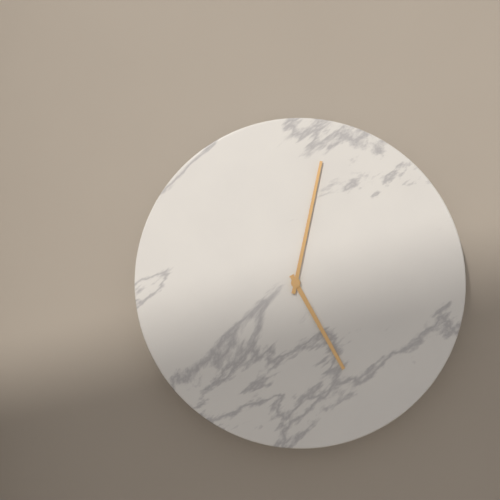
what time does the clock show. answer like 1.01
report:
5.02
